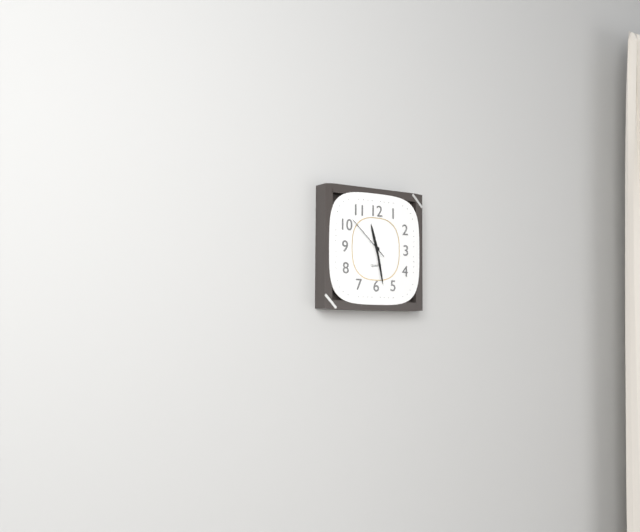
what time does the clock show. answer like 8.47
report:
11.28
